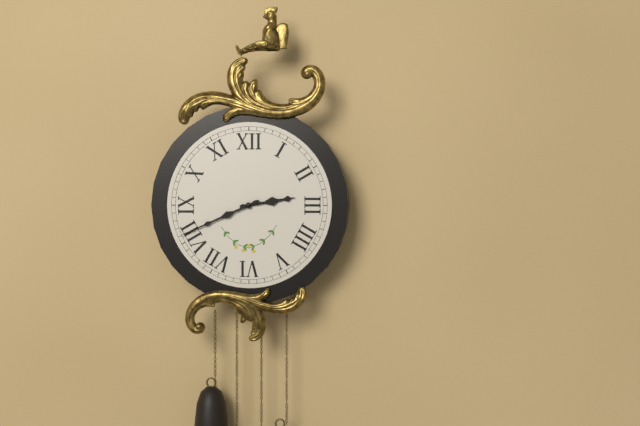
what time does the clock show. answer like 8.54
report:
2.41
